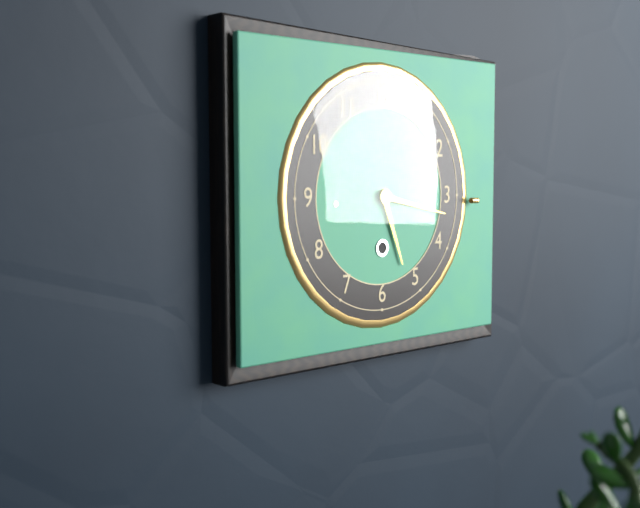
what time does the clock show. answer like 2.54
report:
5.17
